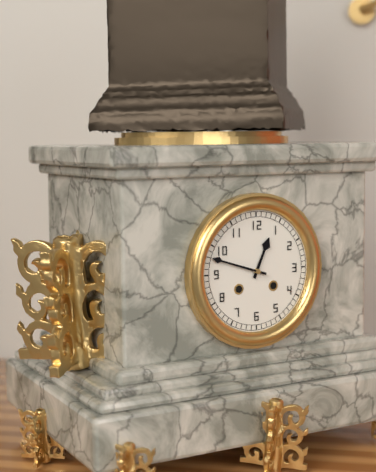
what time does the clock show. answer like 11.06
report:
12.48
